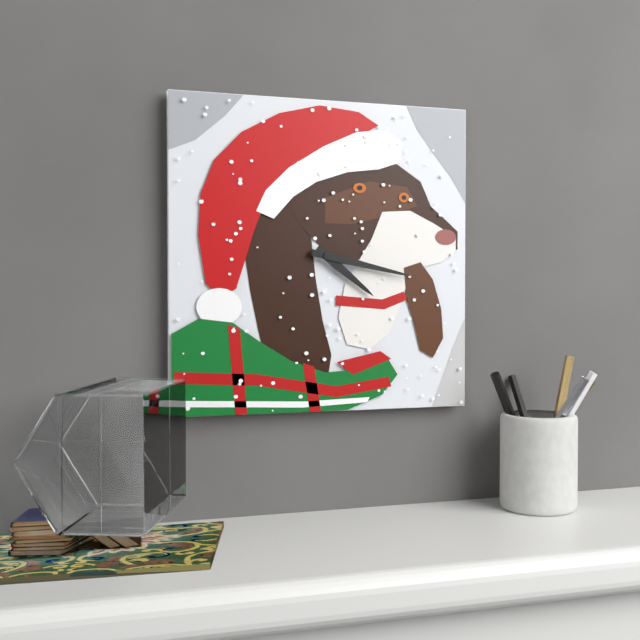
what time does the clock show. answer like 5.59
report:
4.17
